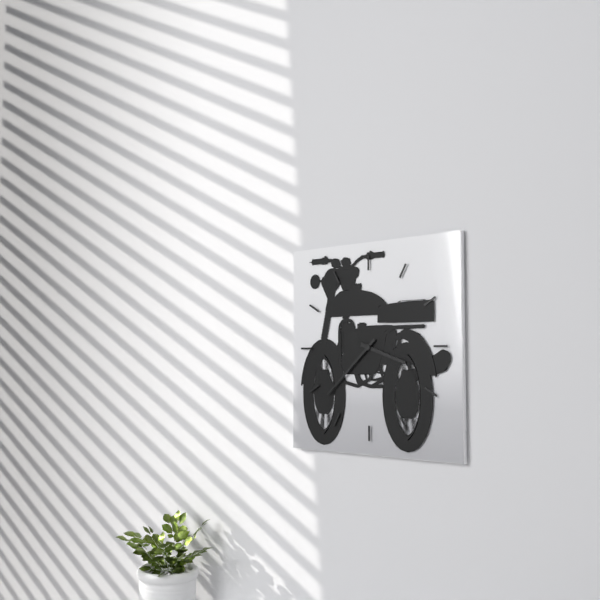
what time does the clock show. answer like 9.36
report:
3.38
